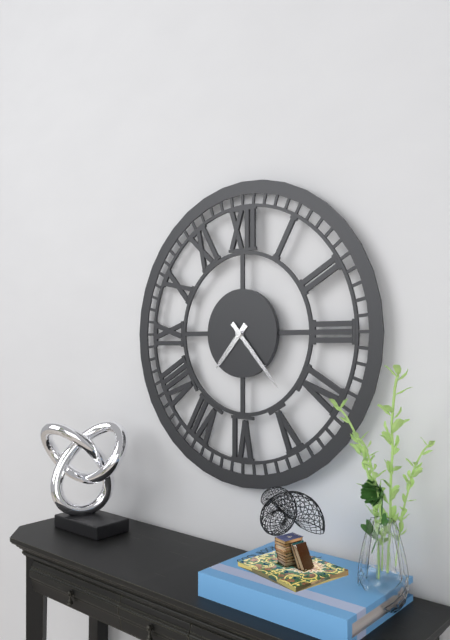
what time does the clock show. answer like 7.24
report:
7.23
